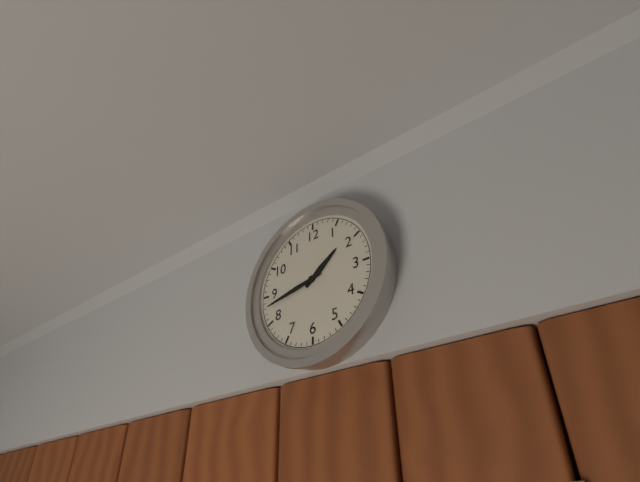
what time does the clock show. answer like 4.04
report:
1.43
